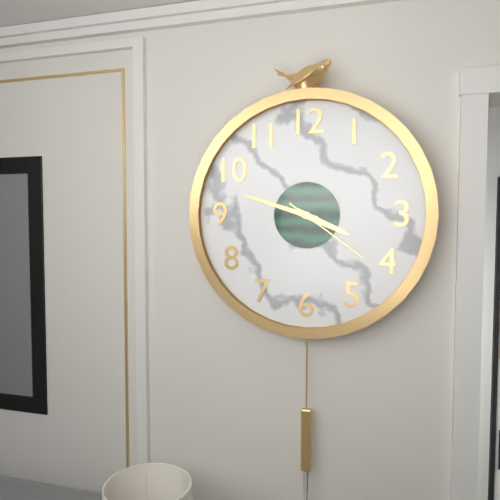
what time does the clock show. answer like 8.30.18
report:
3.48.21
